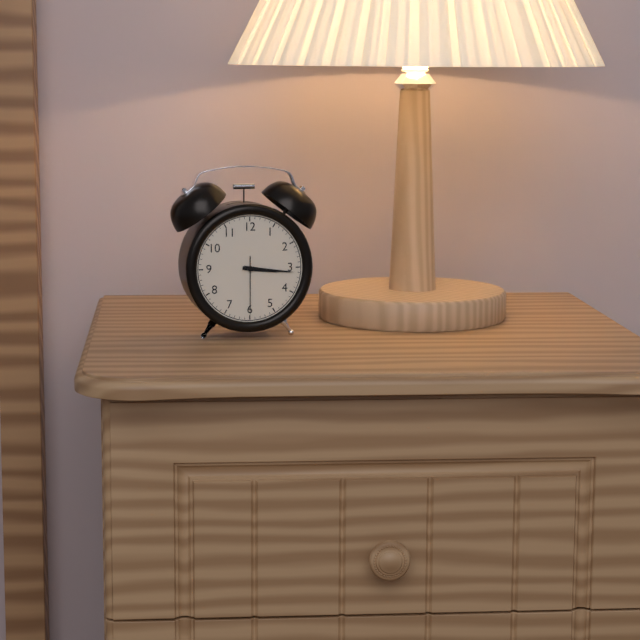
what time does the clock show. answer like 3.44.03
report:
3.16.30
